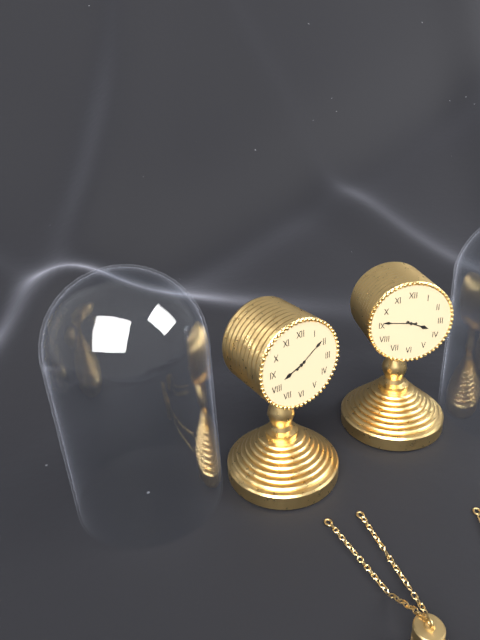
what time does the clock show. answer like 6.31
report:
8.09
